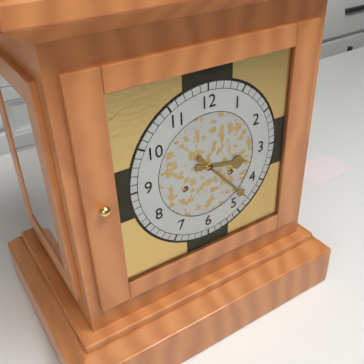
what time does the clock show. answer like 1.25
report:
3.23
